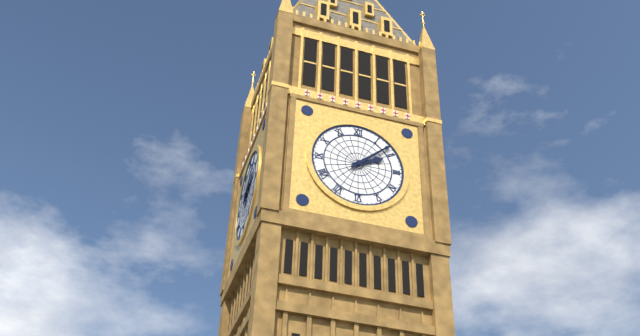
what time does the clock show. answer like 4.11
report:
2.08
